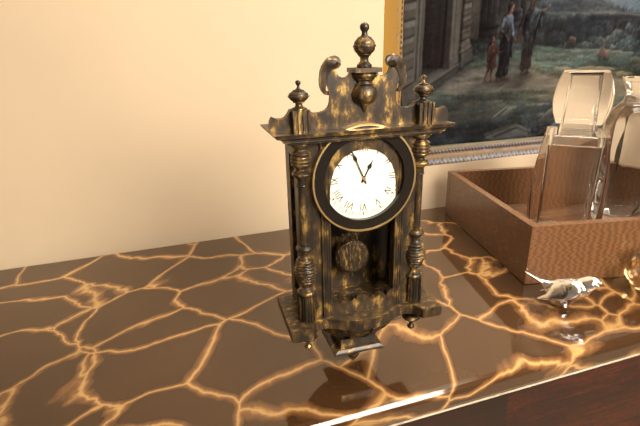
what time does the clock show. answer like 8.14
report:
12.56
